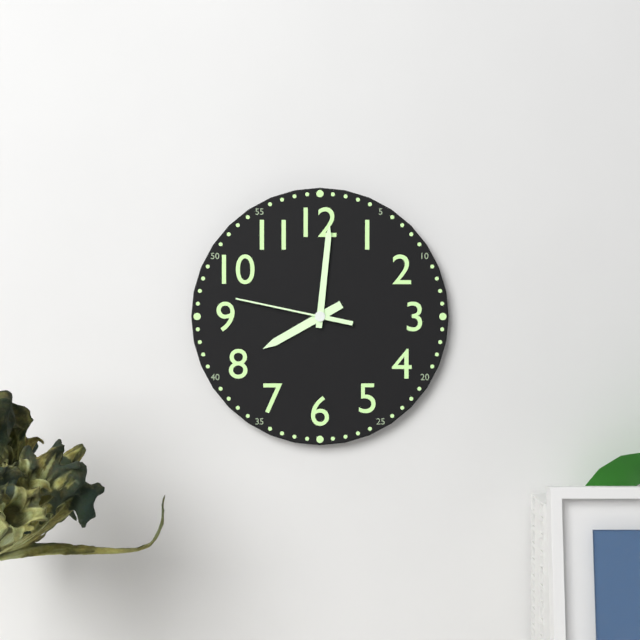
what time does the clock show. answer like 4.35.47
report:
8.01.47
